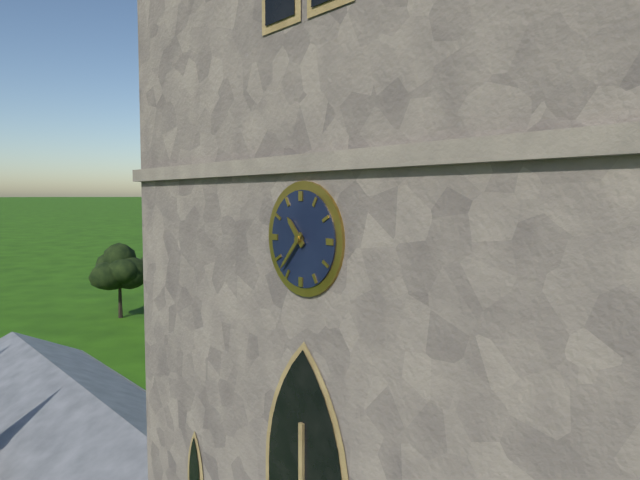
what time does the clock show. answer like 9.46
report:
10.37
